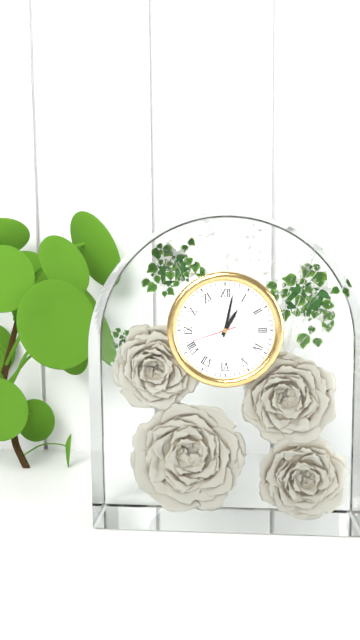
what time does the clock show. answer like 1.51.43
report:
1.02.42
